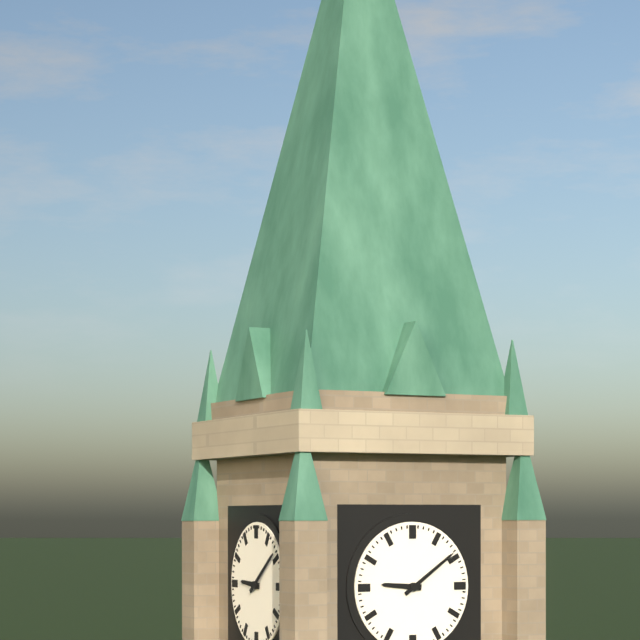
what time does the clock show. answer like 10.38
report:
9.09
